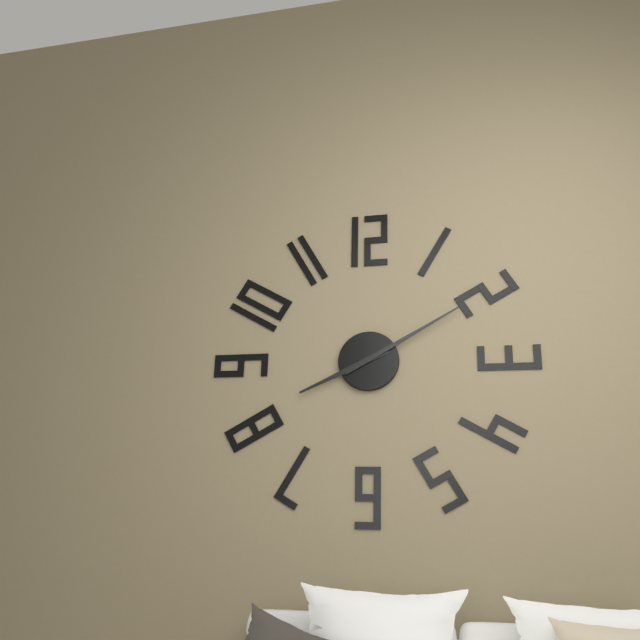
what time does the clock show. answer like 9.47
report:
8.10
